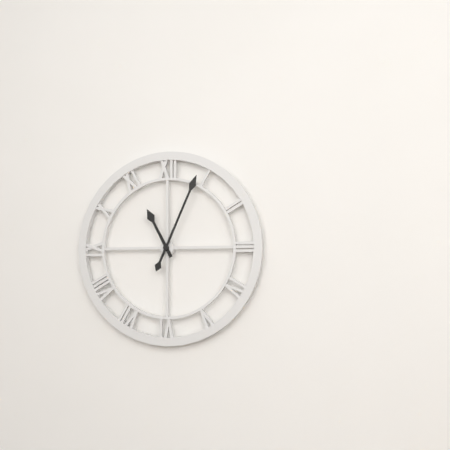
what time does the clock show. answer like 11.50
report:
11.04
